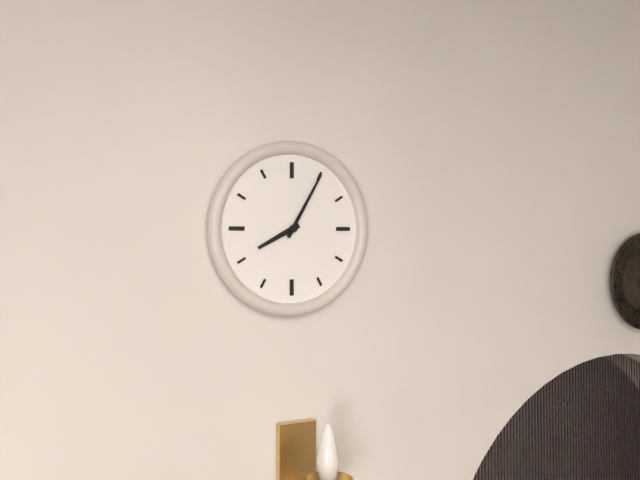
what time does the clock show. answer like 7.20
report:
8.05
